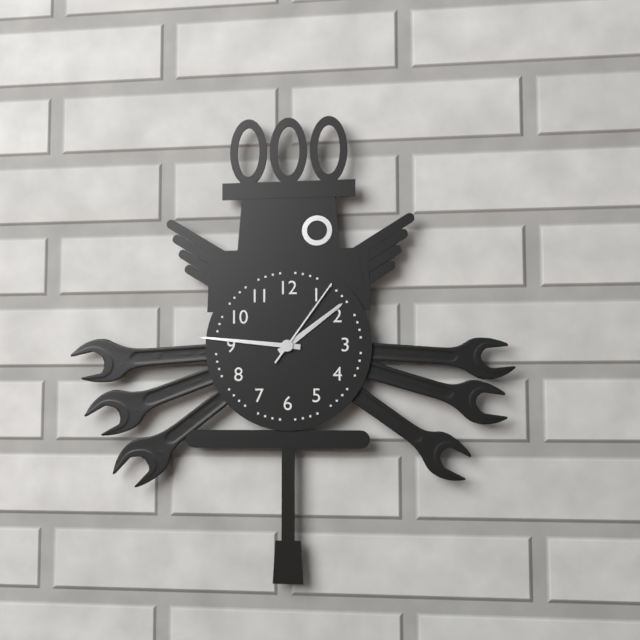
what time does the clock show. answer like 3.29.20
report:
1.46.06
